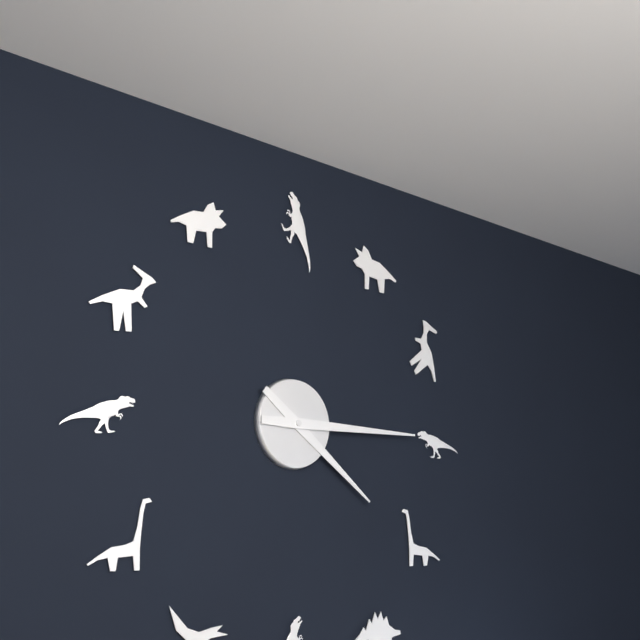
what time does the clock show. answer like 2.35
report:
4.15
